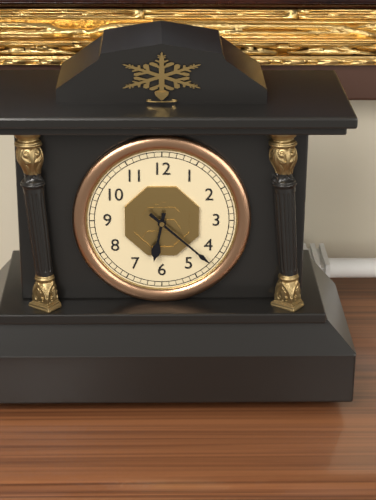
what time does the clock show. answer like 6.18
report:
6.22
